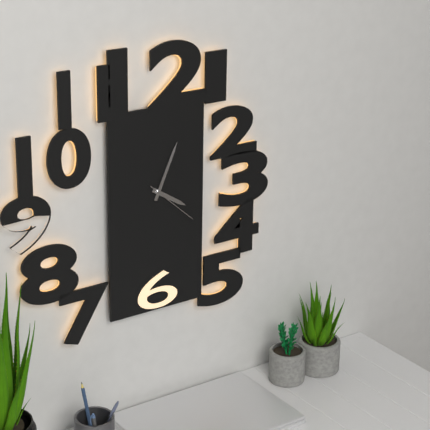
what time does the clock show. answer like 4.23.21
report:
4.04.22
